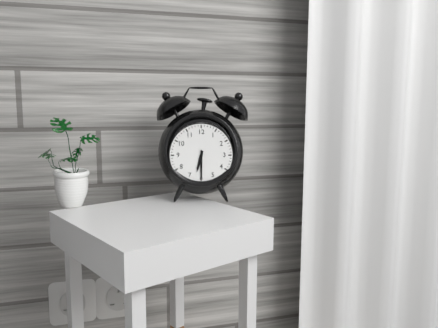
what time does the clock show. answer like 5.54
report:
6.30
